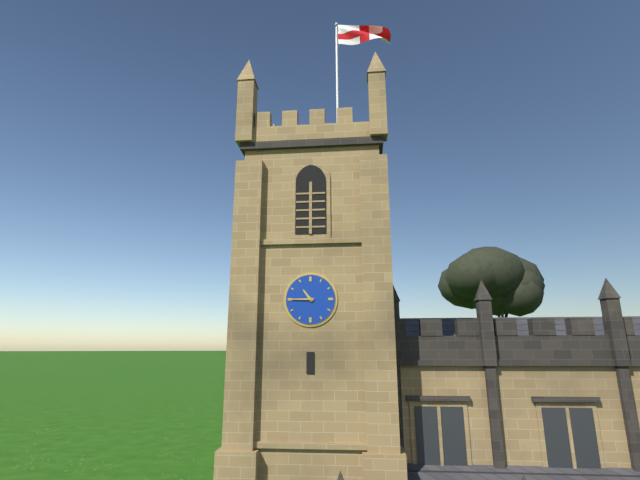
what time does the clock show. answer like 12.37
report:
10.45
